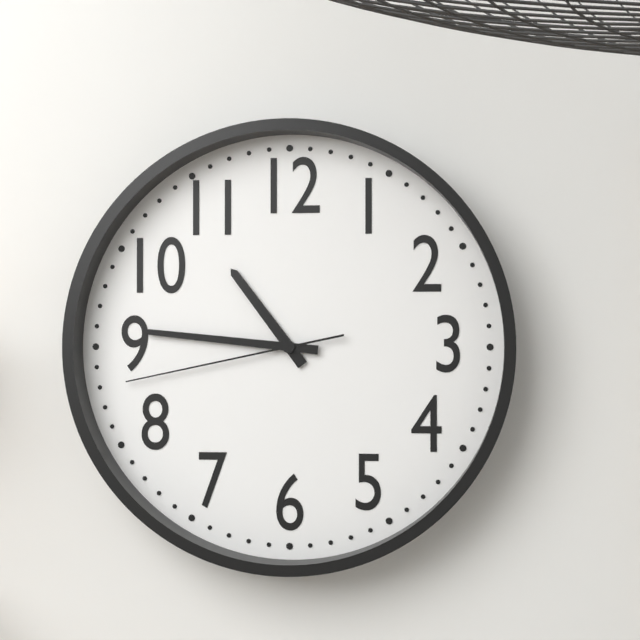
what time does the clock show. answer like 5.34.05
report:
10.46.43
